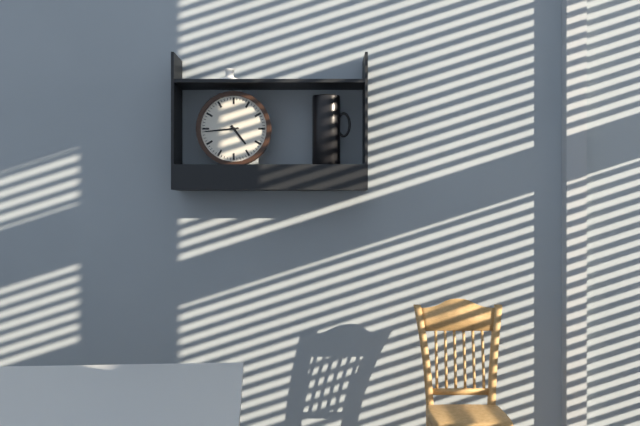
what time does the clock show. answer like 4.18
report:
4.44
